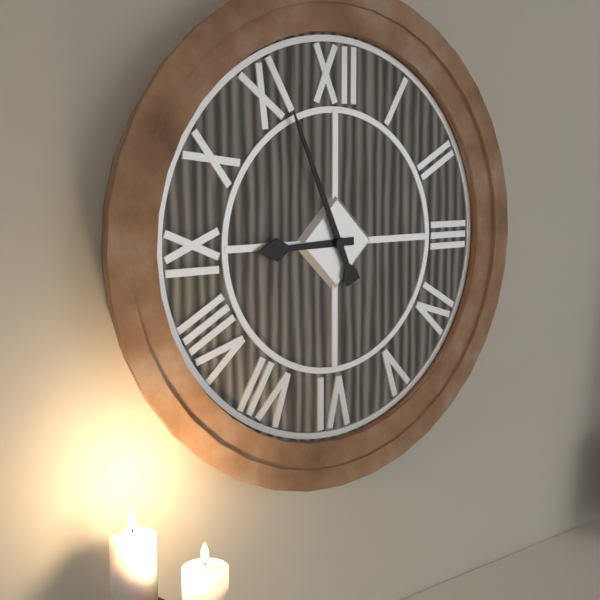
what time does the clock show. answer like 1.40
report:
8.56
